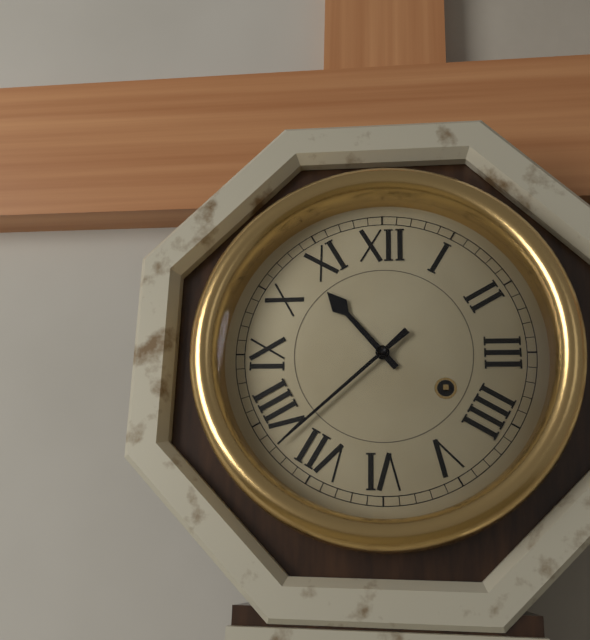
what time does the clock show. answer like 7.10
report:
10.38
